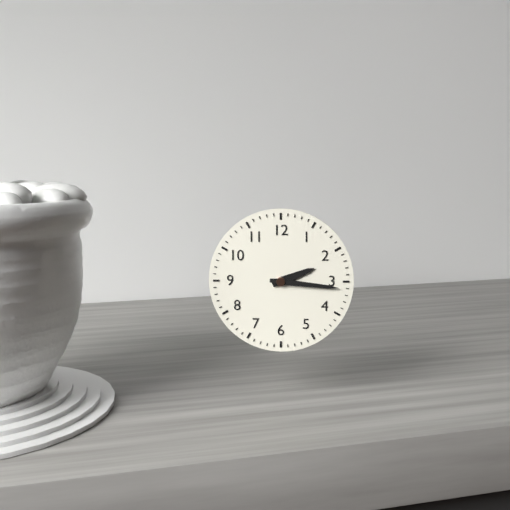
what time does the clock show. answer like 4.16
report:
2.16
